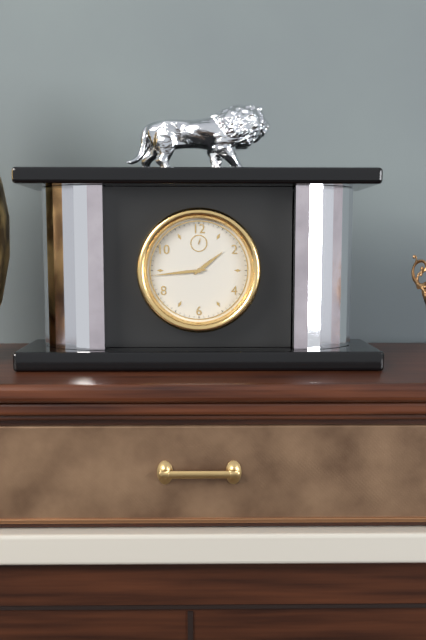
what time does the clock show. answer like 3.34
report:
1.44
